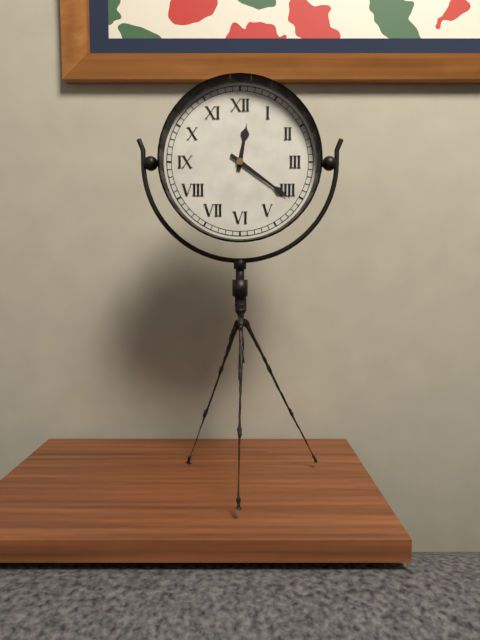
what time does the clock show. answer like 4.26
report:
12.21
